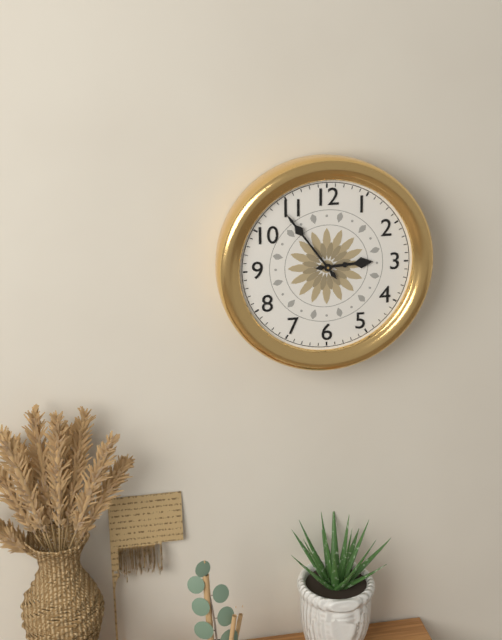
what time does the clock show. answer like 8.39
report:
2.54
